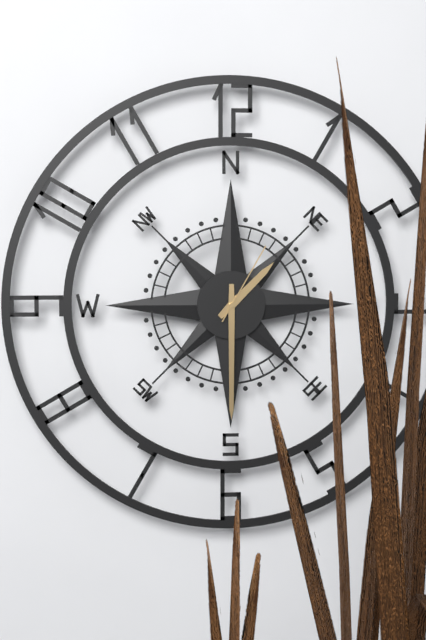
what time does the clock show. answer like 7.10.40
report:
1.30.05
